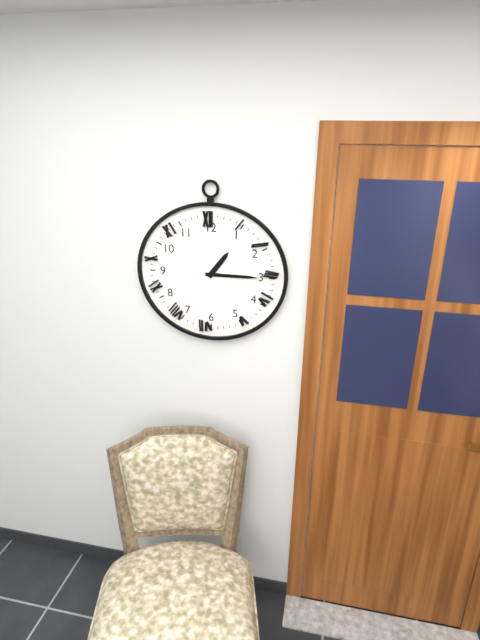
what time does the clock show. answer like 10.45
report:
1.15
